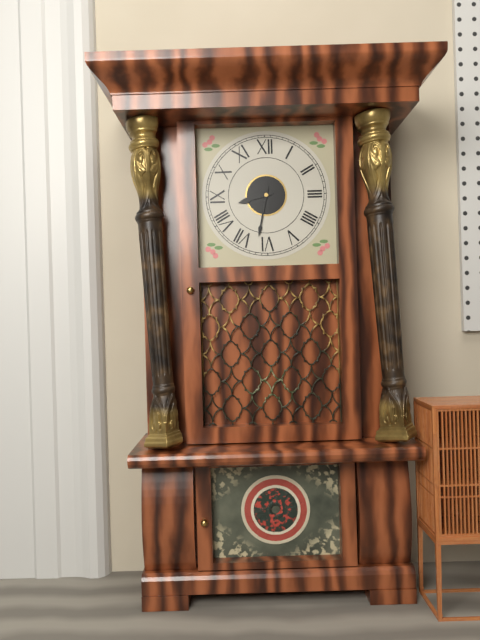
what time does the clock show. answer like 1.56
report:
8.32
